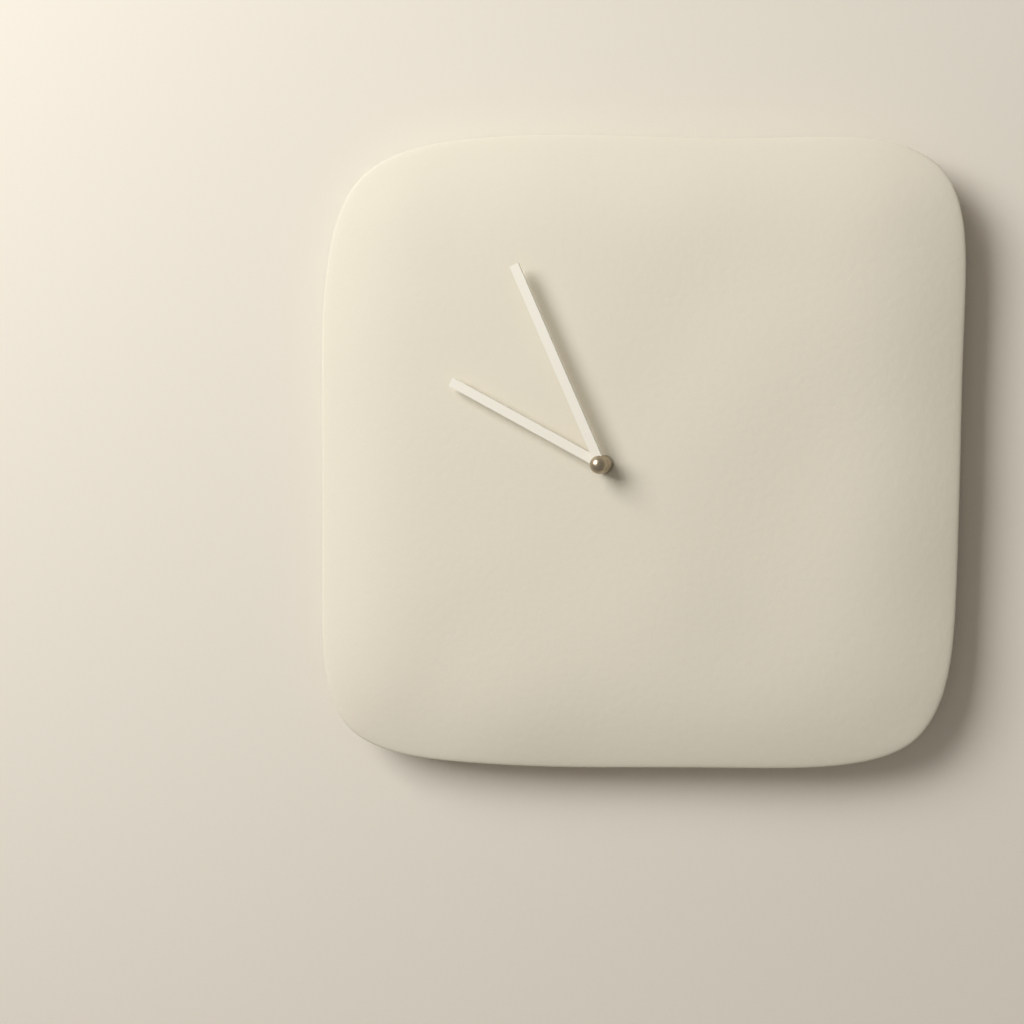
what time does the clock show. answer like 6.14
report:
9.56
